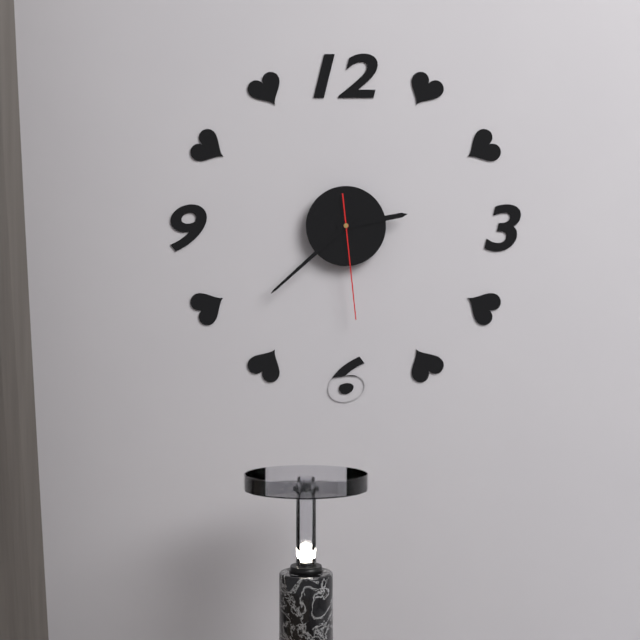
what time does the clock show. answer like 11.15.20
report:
2.38.29
